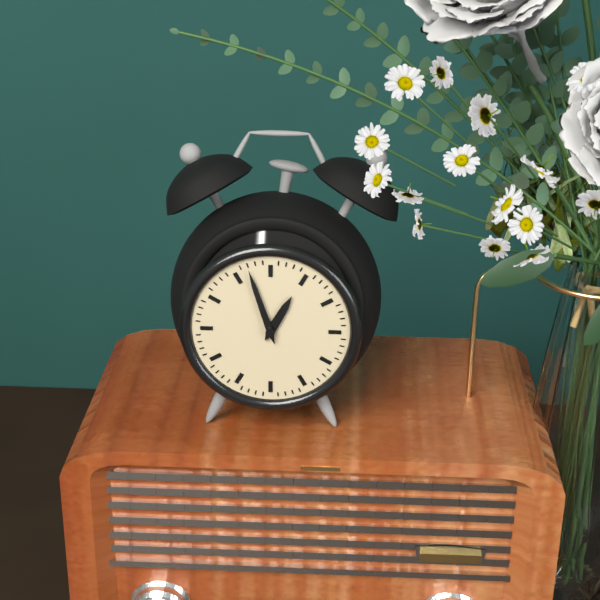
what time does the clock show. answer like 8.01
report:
12.57
